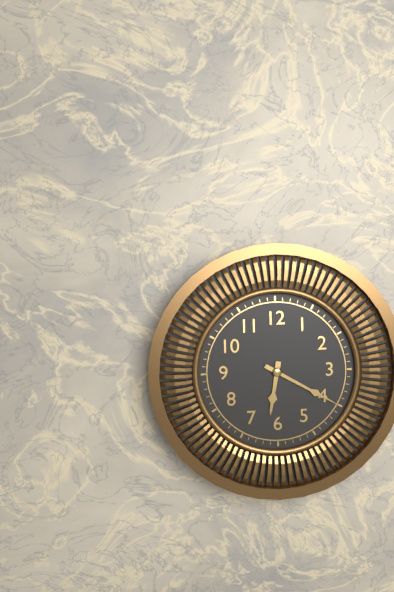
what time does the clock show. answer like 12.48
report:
6.20
